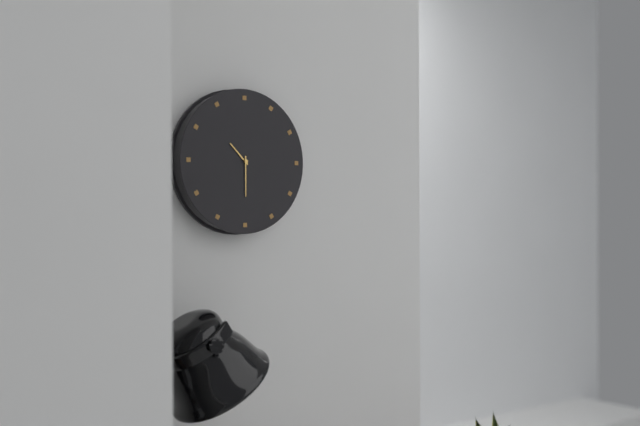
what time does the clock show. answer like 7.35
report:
10.30
